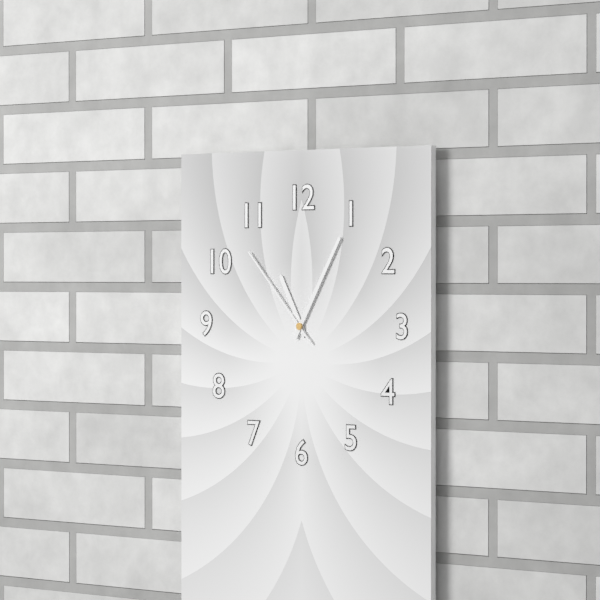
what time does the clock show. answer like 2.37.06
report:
11.05.53
